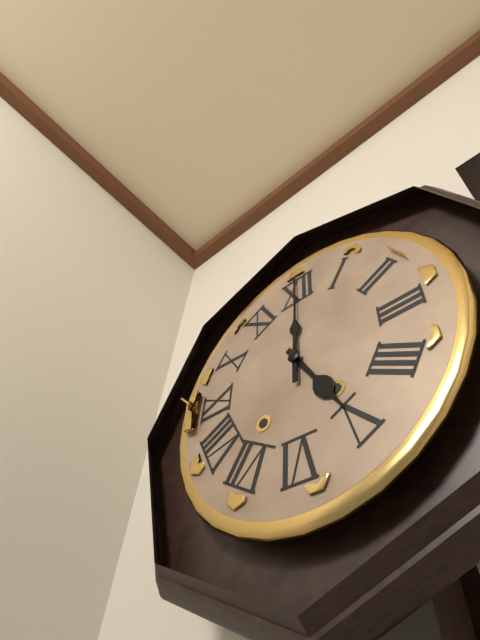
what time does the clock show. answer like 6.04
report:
5.00
